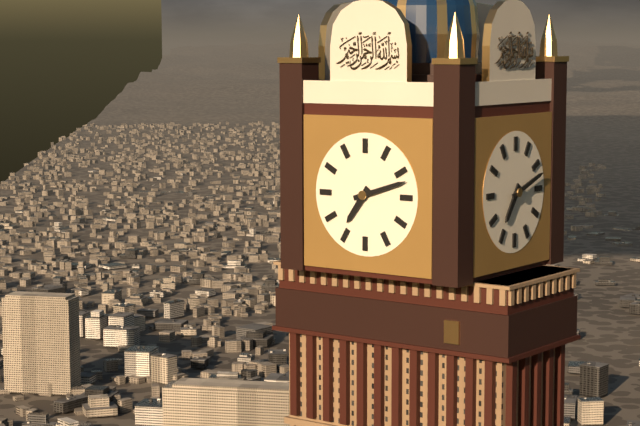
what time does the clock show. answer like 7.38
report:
7.12
